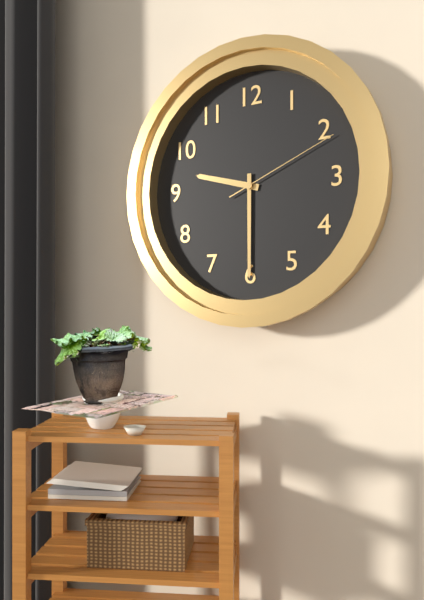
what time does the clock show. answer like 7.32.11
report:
9.30.11
